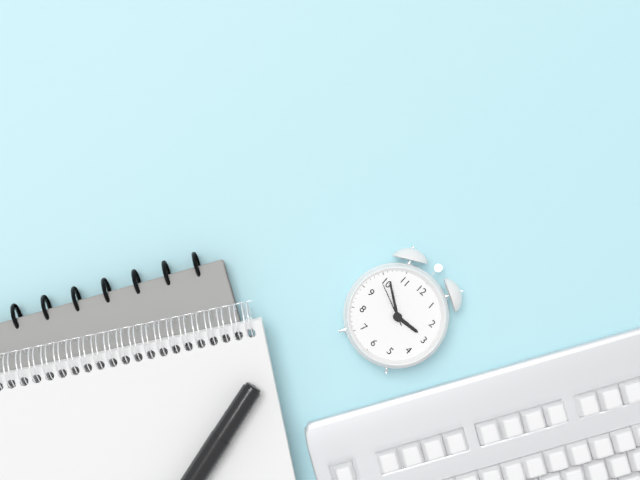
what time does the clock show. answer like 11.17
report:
2.51
